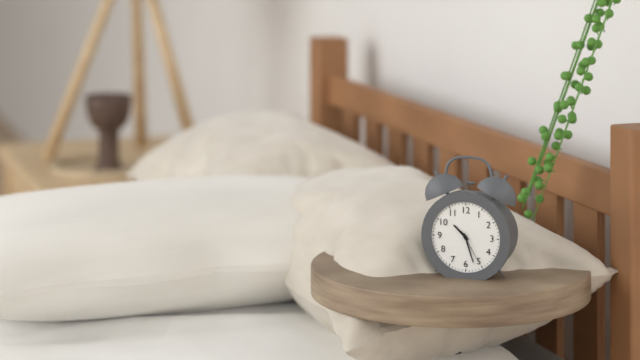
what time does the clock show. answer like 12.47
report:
10.27
